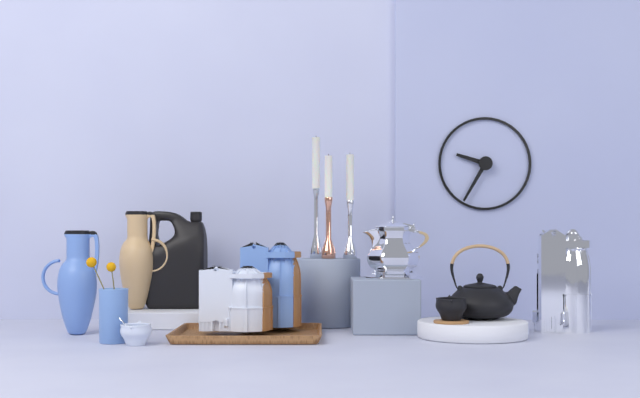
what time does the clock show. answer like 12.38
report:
9.35
